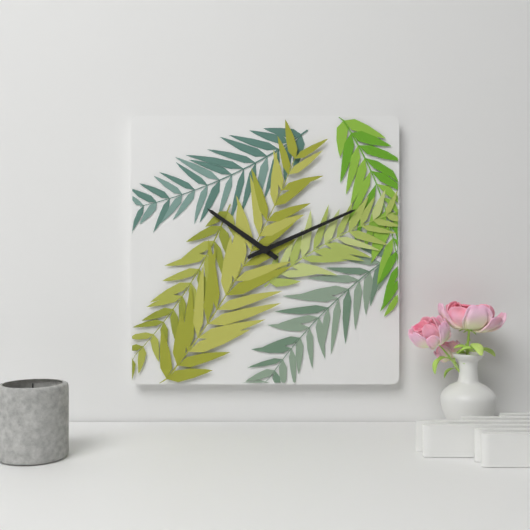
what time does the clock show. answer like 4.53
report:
10.11
